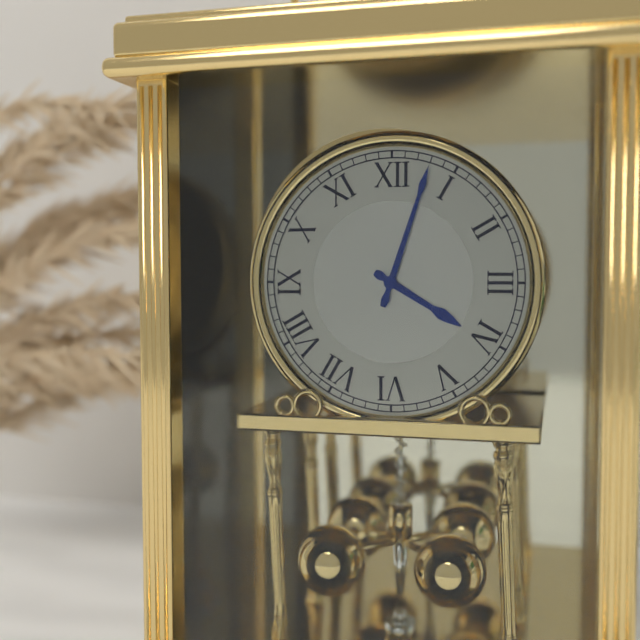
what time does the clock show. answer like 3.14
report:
4.03
